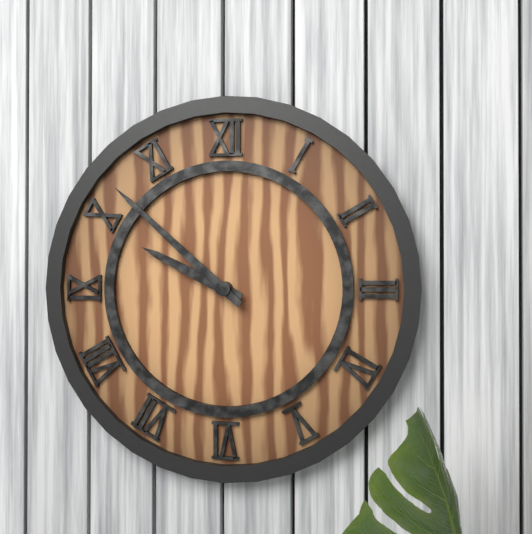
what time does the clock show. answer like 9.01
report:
9.52
